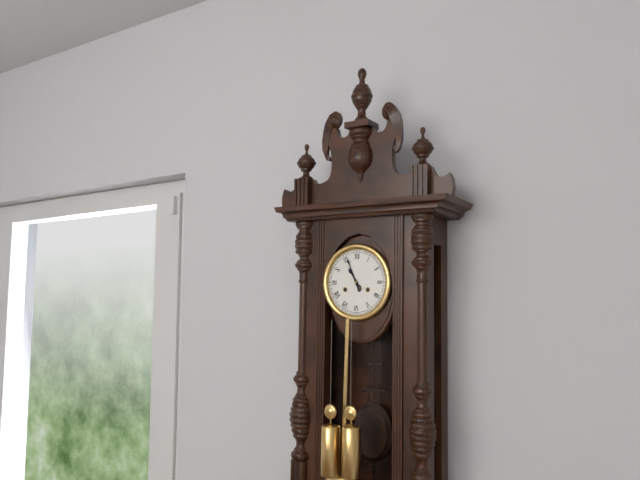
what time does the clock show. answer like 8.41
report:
10.56
